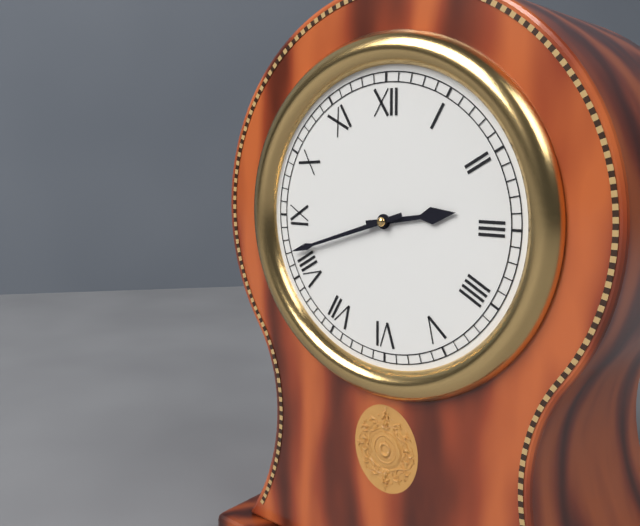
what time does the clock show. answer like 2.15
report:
2.42
